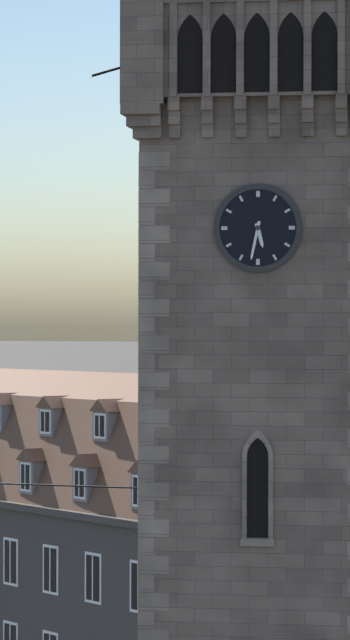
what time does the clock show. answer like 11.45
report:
5.32
